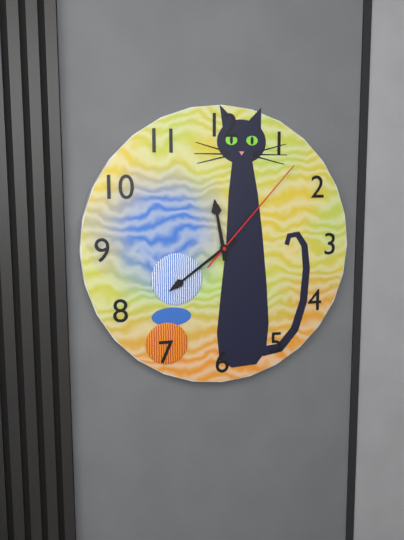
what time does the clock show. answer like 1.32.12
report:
11.39.07
